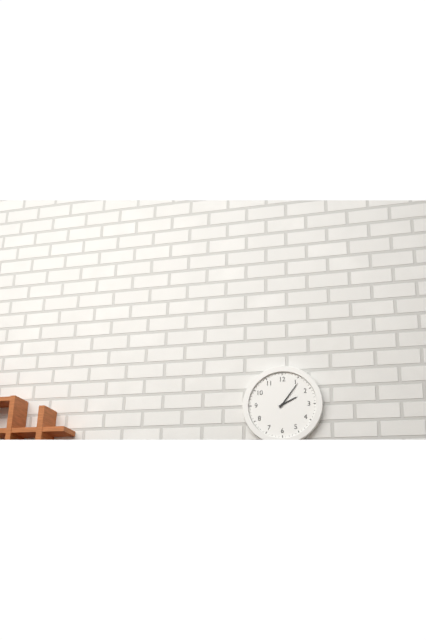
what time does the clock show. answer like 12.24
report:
2.06
